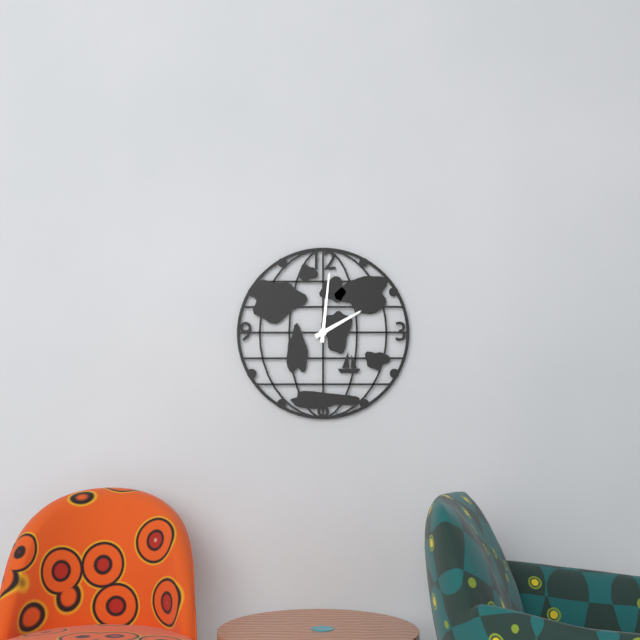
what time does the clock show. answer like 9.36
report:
2.01
